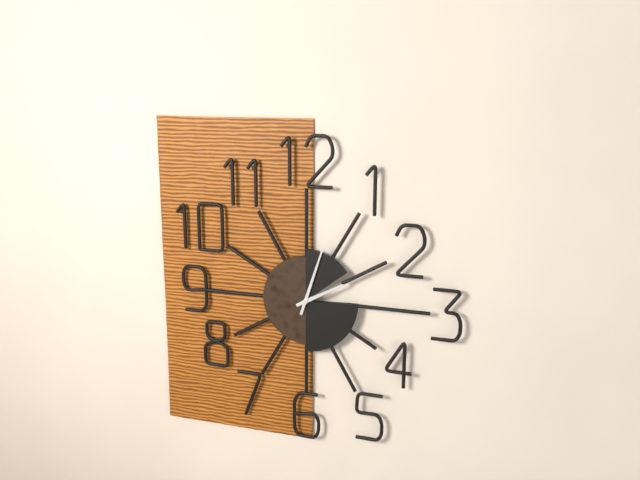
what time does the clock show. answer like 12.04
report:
2.03
